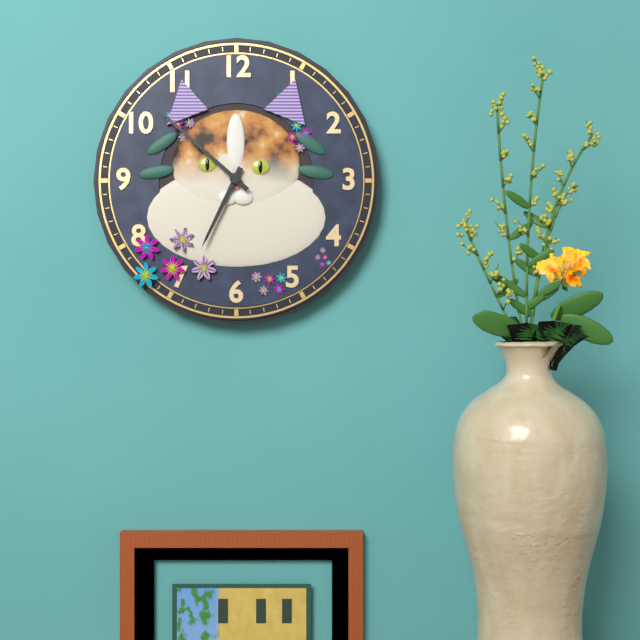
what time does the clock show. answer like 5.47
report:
6.52
